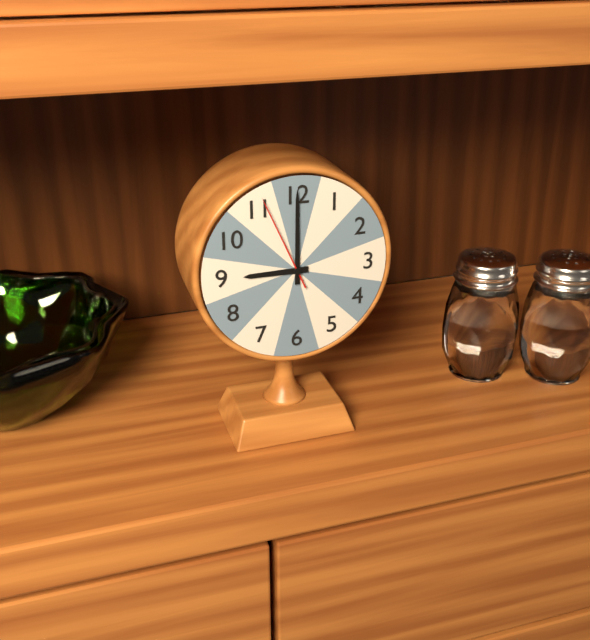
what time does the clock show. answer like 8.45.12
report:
9.00.56
